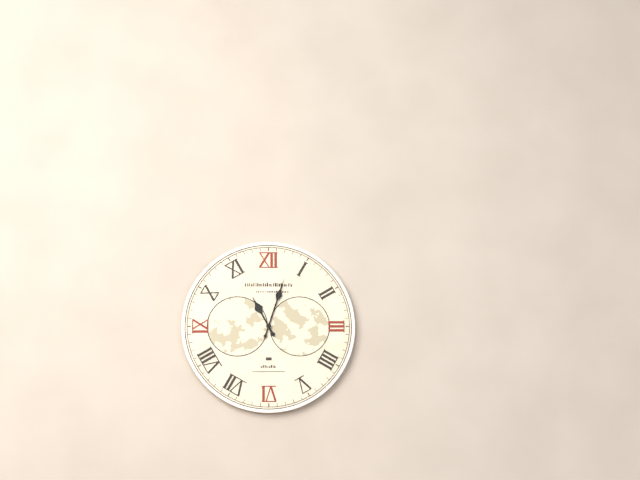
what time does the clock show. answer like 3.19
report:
11.03
